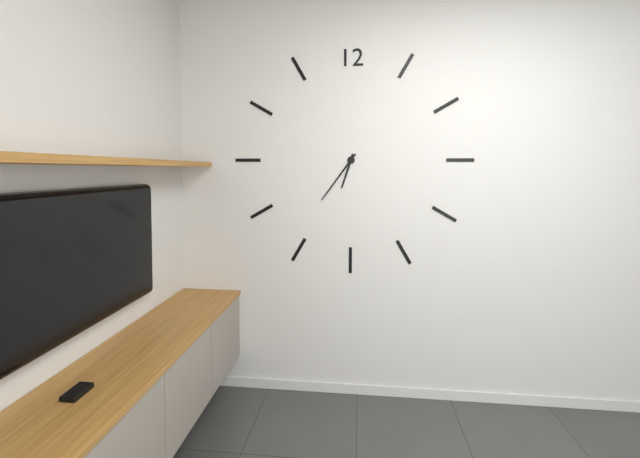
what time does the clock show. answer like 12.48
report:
6.36
